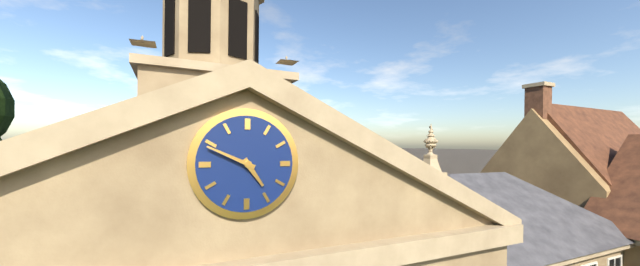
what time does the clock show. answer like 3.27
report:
4.49
